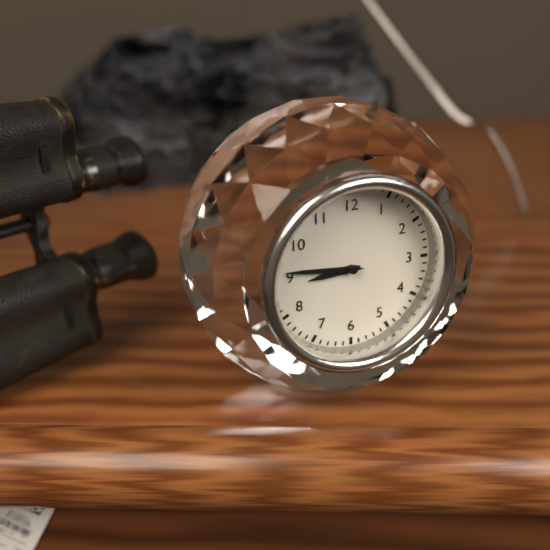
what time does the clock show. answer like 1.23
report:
8.46
